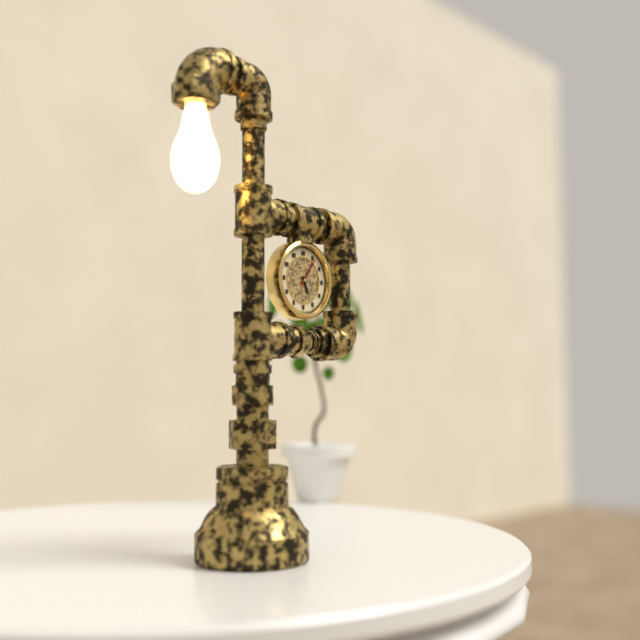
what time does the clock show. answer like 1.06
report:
5.06
